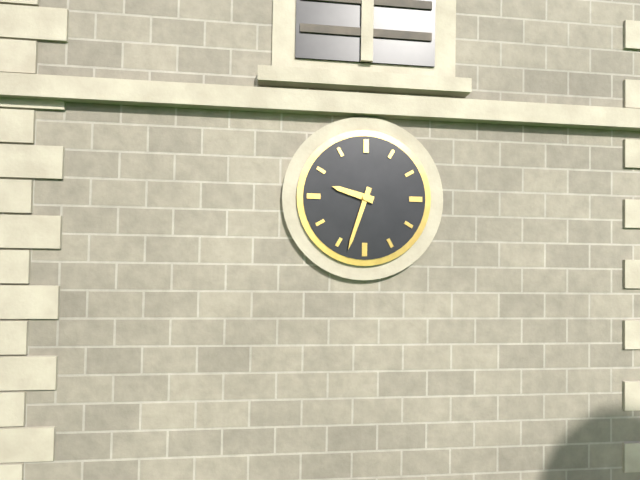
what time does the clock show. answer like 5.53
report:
9.33
